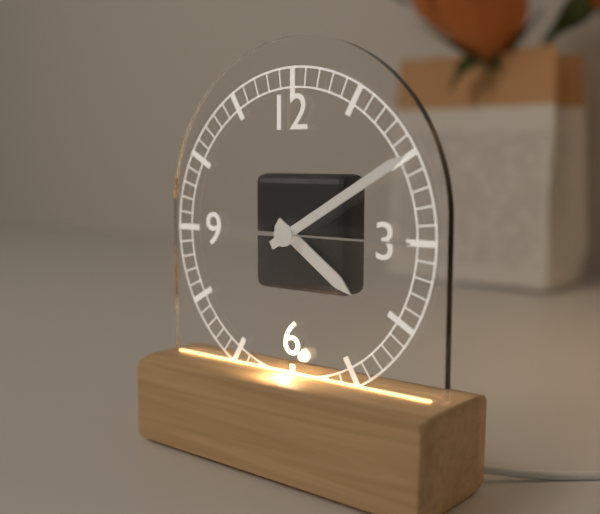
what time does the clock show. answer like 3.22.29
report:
4.10.15
